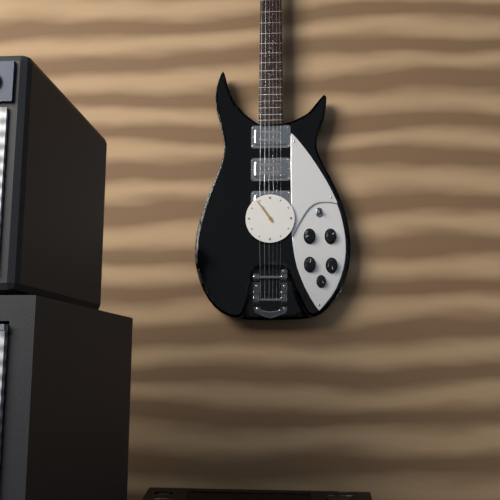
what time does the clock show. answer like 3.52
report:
10.54
